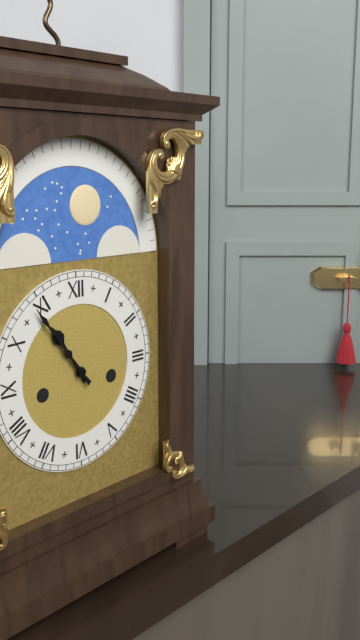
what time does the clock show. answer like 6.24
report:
10.54
